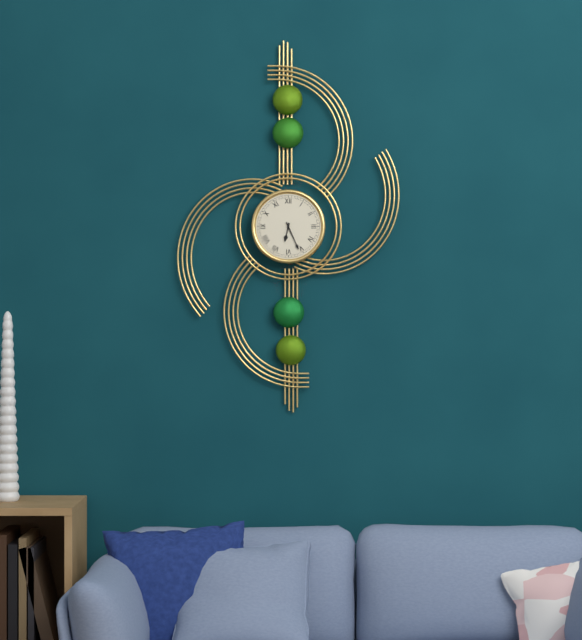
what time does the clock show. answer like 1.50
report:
6.26
